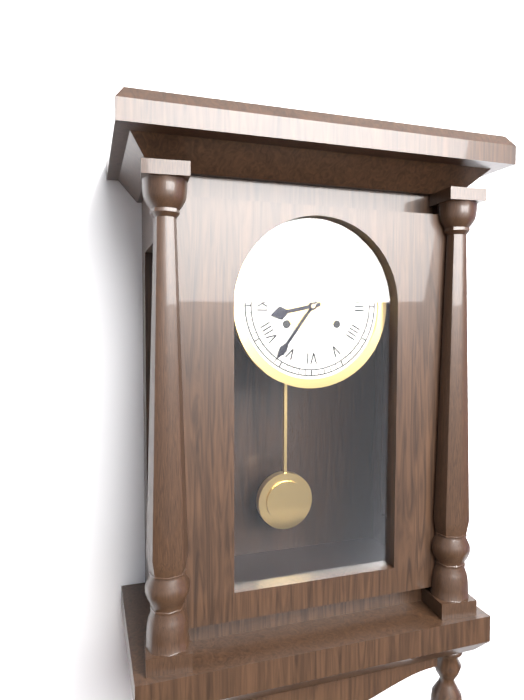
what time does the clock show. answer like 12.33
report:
8.36
